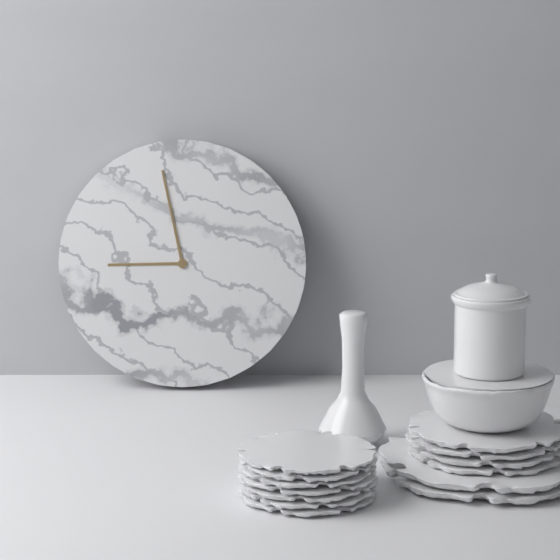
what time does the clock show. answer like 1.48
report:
8.58
